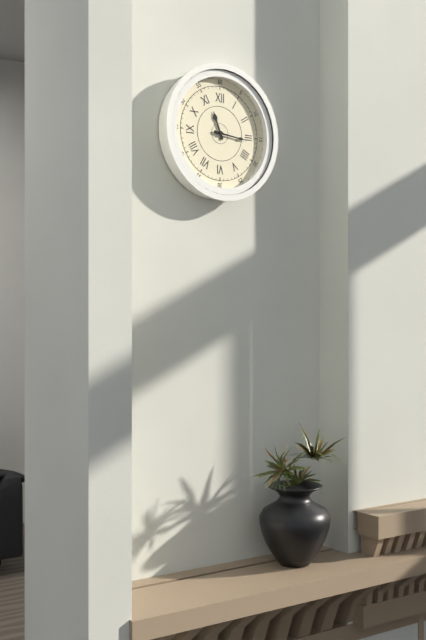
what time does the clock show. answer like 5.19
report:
11.16
